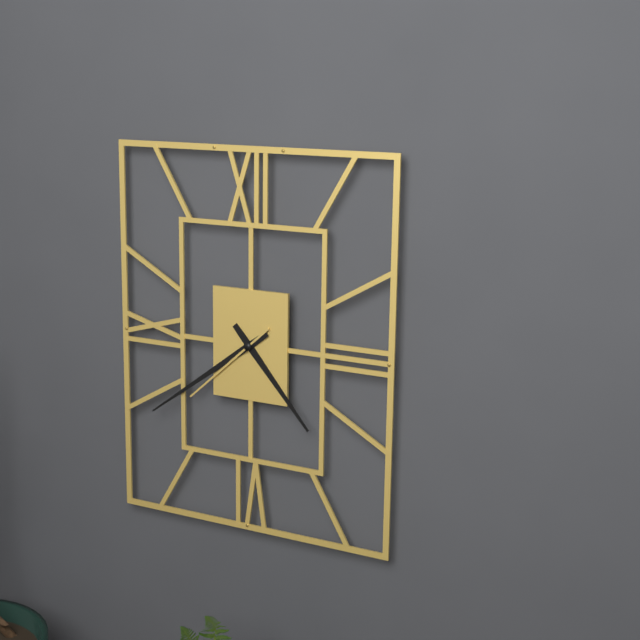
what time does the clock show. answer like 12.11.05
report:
4.39.38
